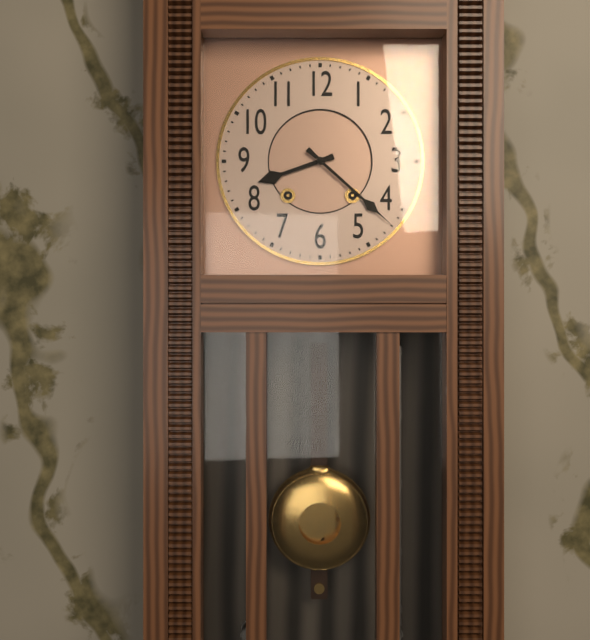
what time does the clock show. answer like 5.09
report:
8.22
